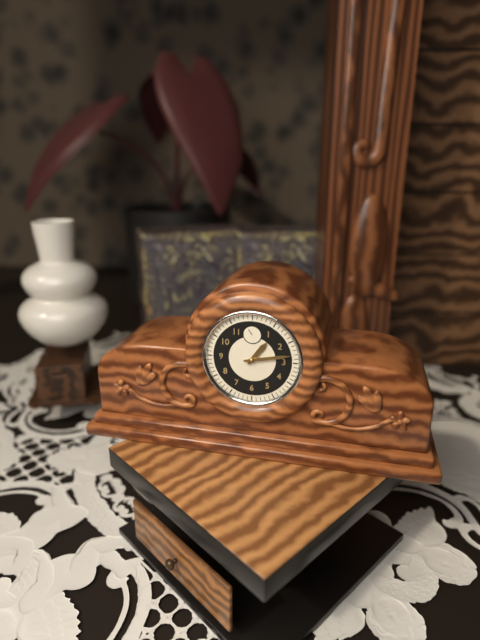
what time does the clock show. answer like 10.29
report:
1.13
